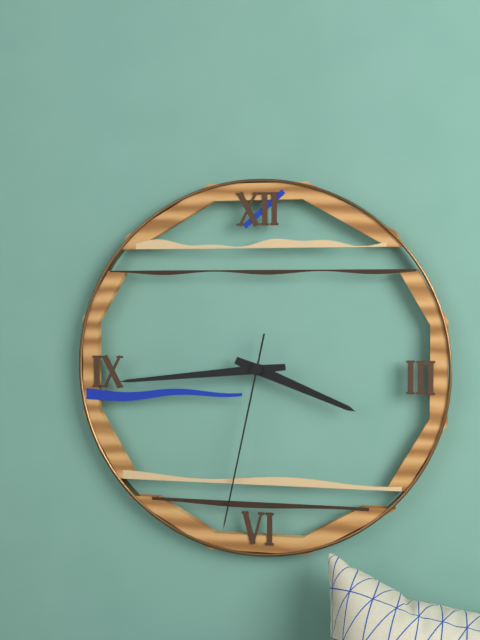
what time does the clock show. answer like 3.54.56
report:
3.44.32
